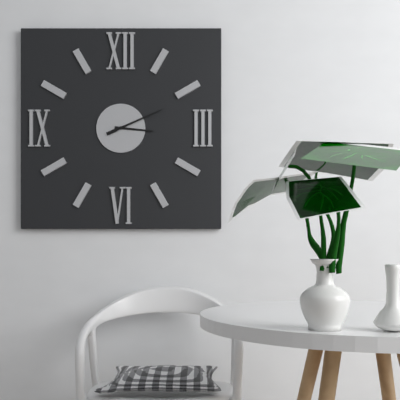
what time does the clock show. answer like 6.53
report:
3.11
